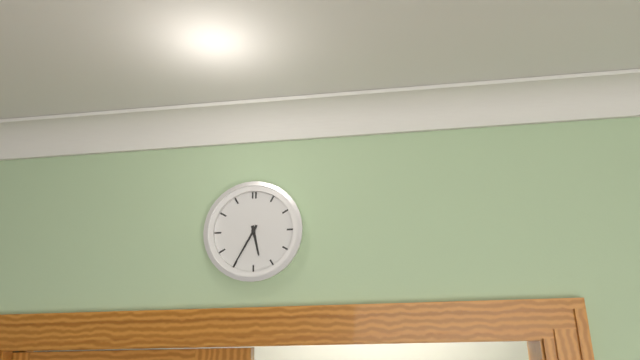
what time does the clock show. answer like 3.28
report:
5.35
